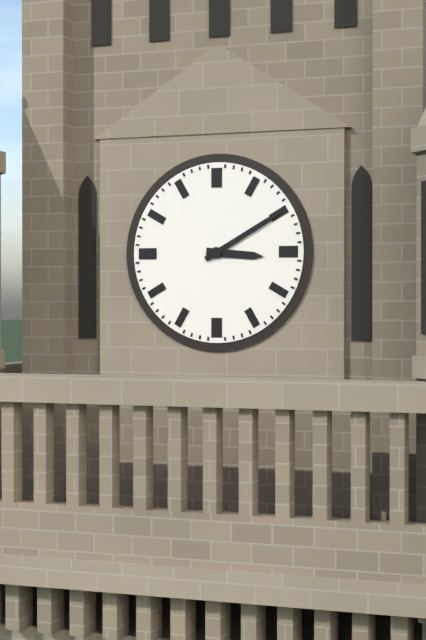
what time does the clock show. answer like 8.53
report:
3.10
